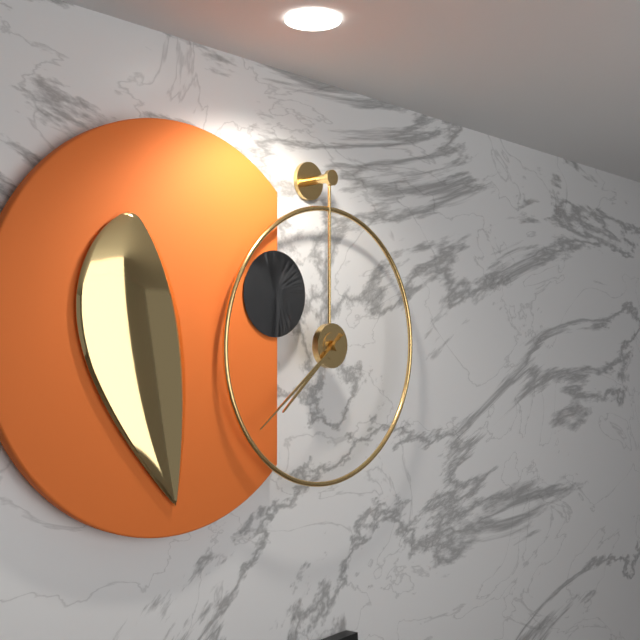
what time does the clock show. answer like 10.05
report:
7.39
